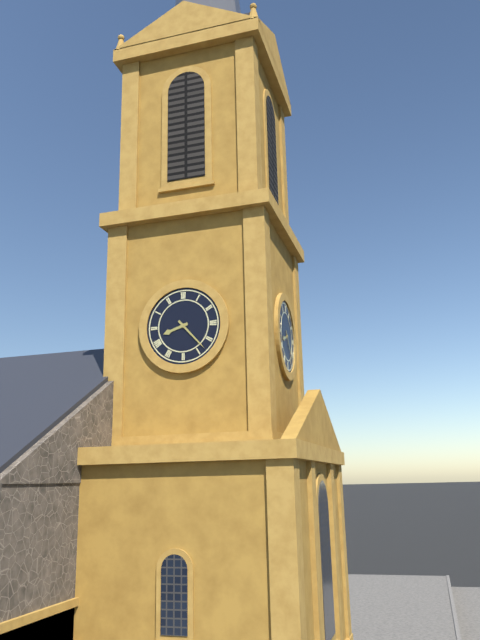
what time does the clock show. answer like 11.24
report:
8.23
